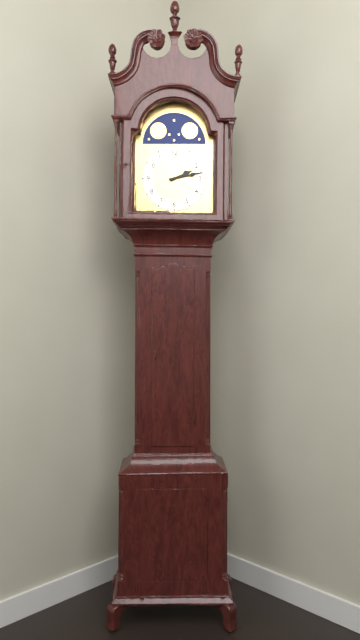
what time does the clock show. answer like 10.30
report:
2.13
